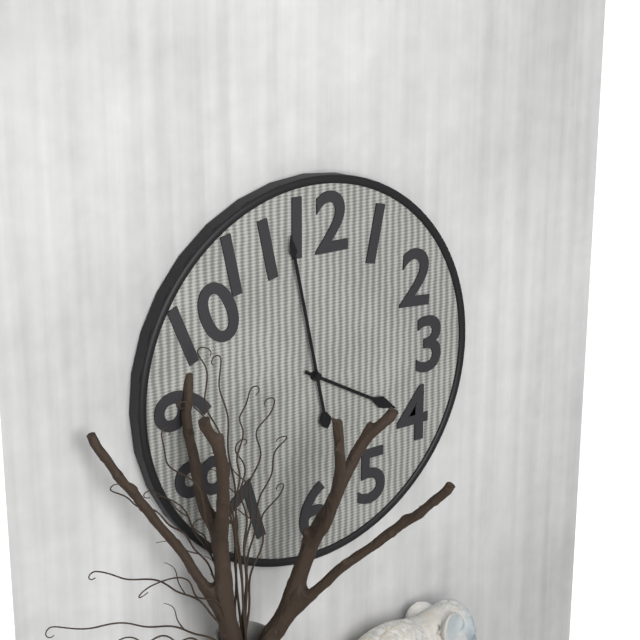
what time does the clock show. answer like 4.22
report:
3.58
